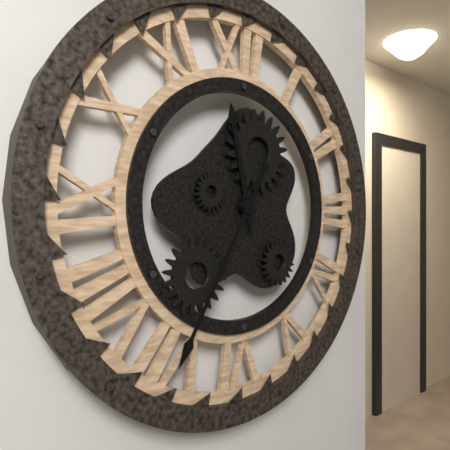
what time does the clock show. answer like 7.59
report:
11.35
